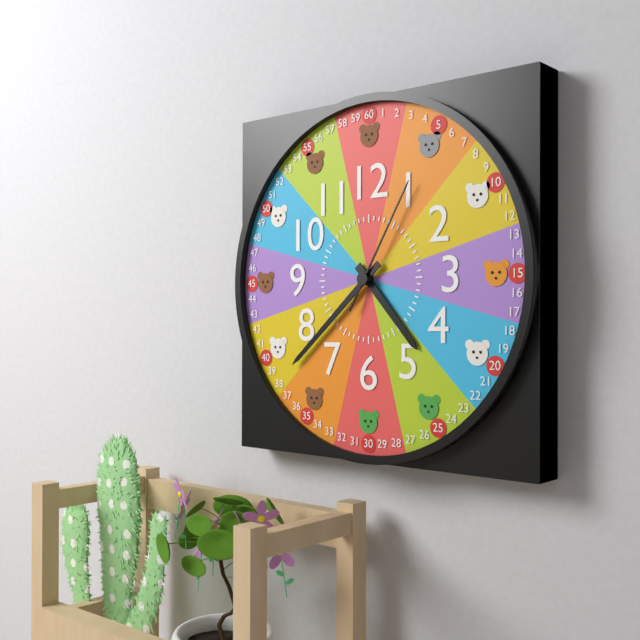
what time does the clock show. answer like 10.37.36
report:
4.38.05
